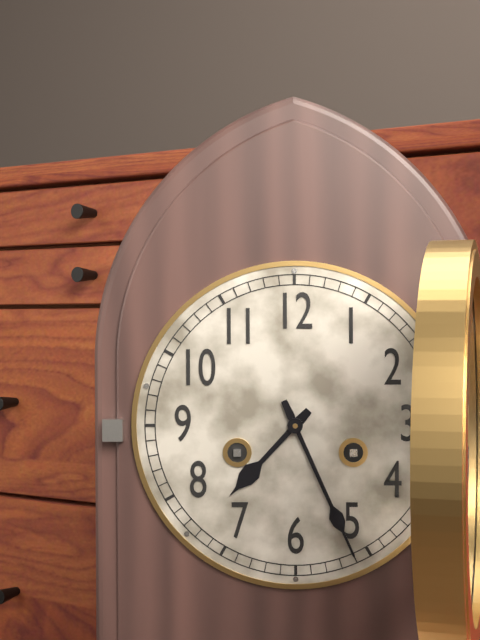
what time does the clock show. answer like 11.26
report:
7.26
